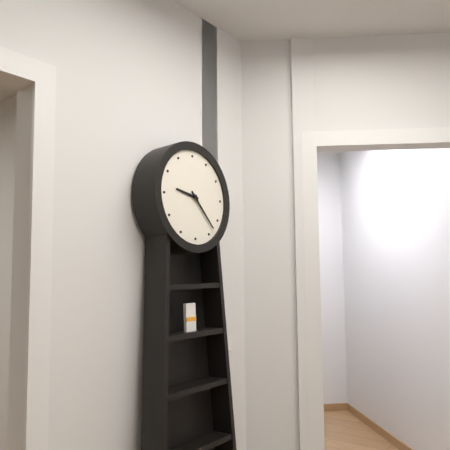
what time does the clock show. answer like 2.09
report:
9.23
